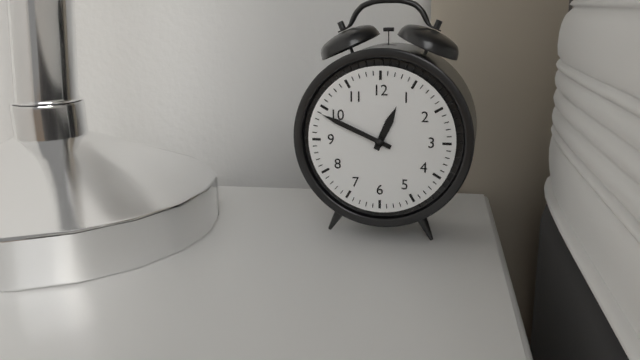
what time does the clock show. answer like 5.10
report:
12.49
